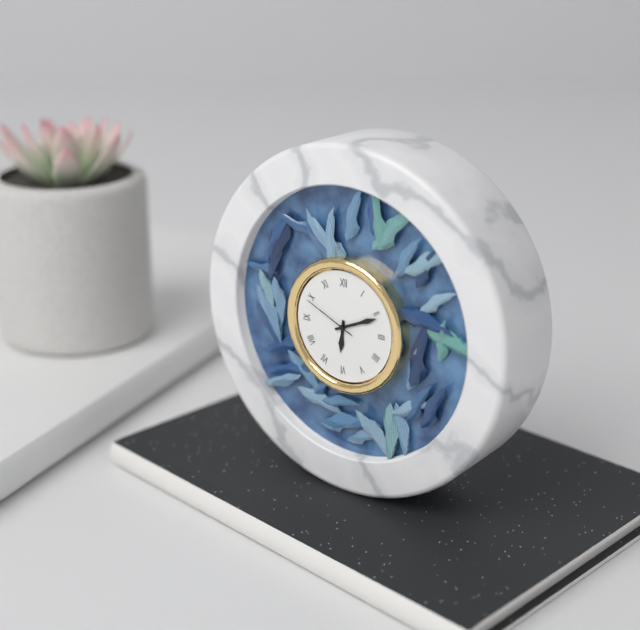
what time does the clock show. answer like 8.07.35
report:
6.11.49
